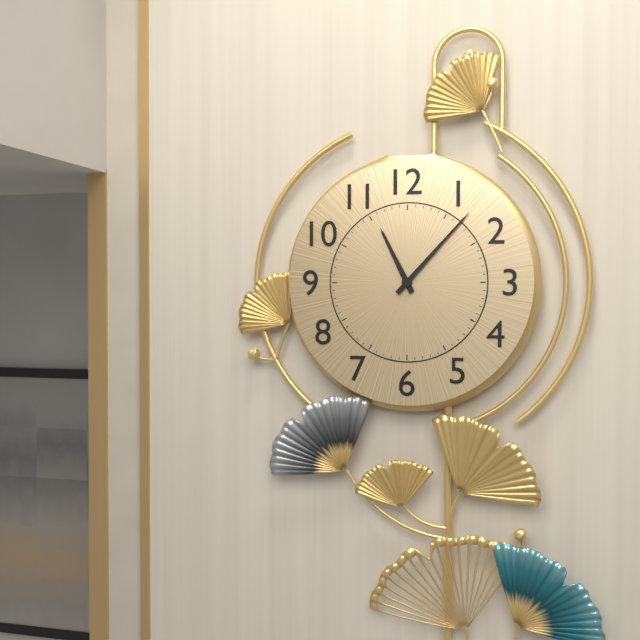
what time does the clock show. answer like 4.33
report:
11.07
